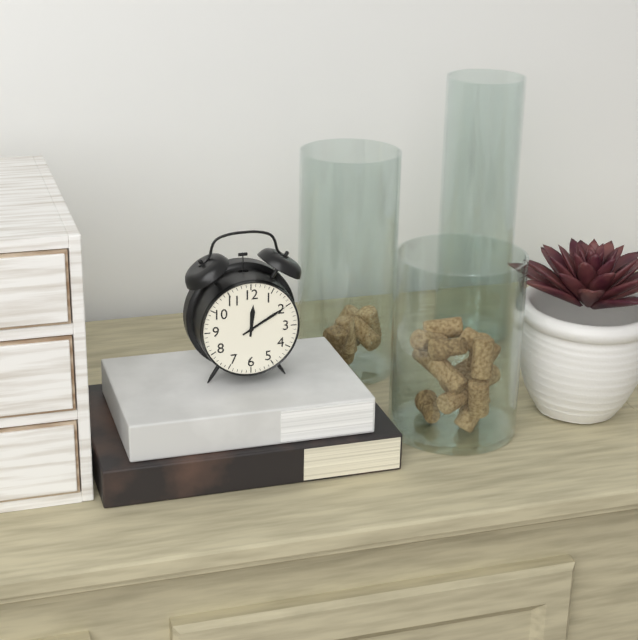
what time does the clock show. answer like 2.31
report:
12.10
